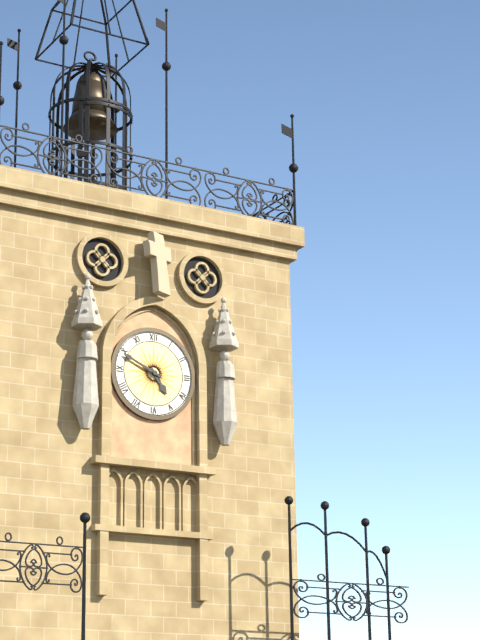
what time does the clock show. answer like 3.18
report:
4.49
